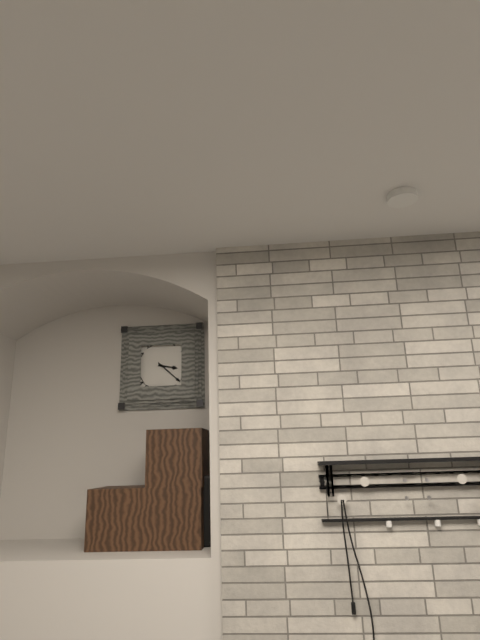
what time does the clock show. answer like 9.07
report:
3.22
